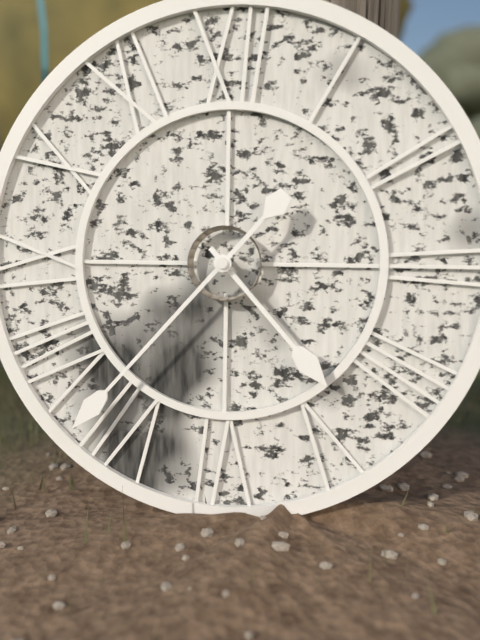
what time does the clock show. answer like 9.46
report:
4.37
